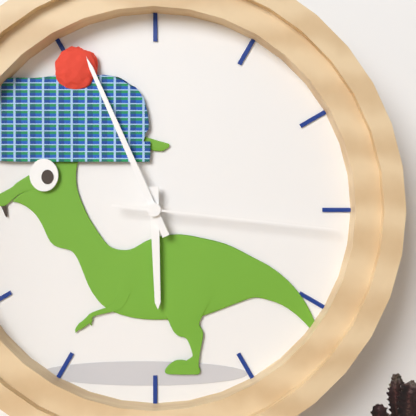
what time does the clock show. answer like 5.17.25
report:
5.56.16
